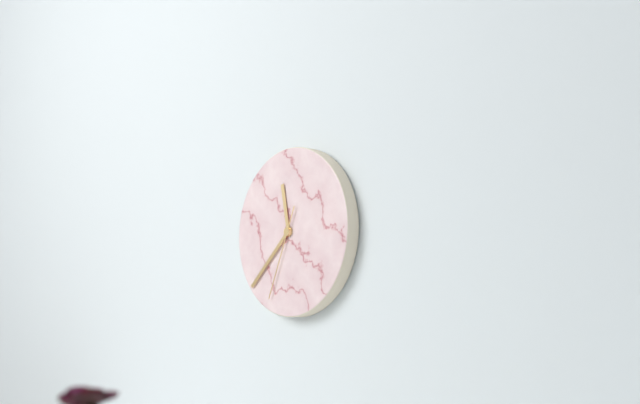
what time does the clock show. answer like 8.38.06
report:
11.38.34
